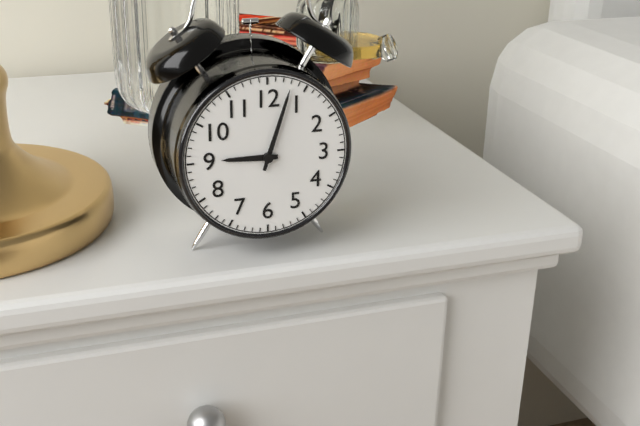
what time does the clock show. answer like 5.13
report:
9.03
